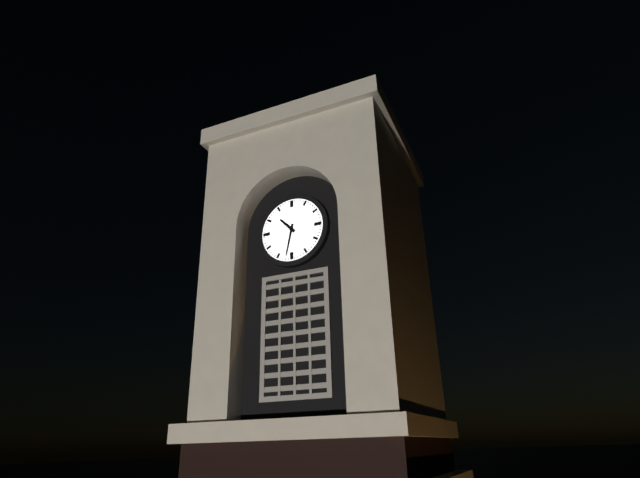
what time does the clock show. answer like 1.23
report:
10.32
